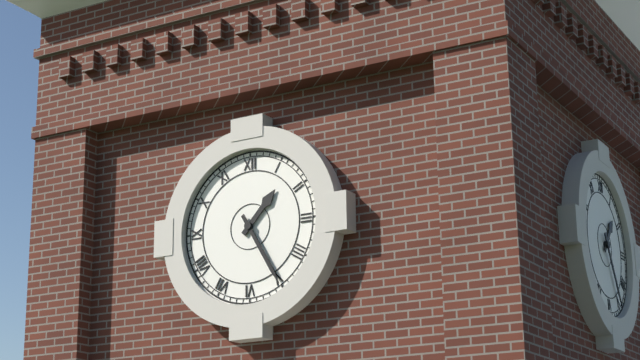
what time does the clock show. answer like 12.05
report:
1.25
